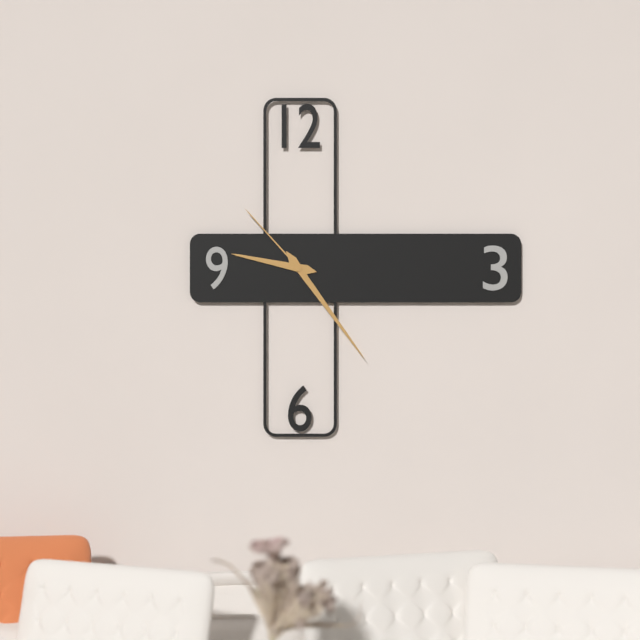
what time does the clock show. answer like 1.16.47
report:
9.24.53
